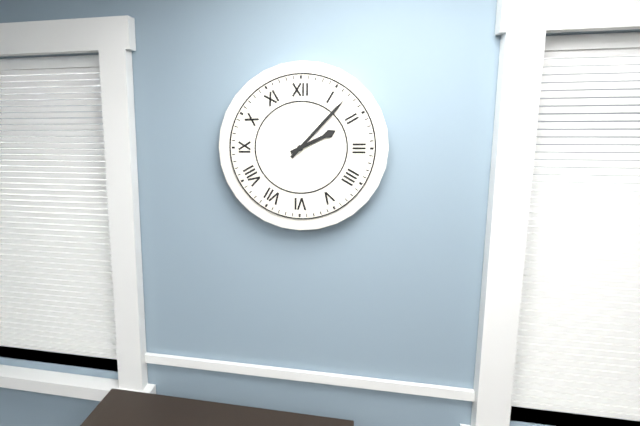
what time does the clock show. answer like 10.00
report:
2.07
